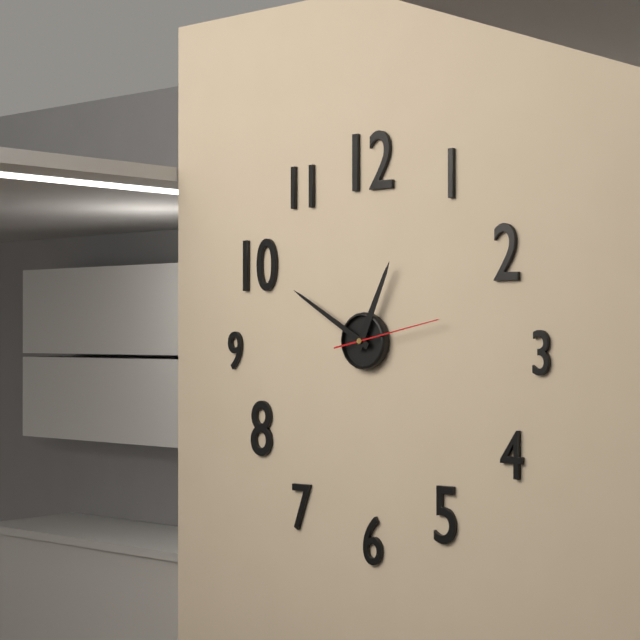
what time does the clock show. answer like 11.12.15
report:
12.50.13
